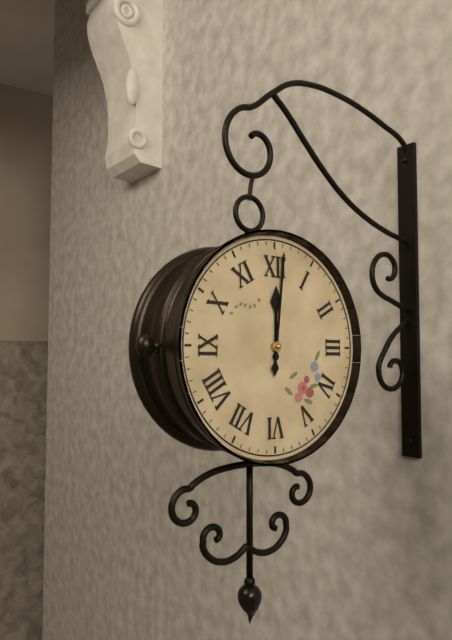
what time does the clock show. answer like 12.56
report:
12.01
